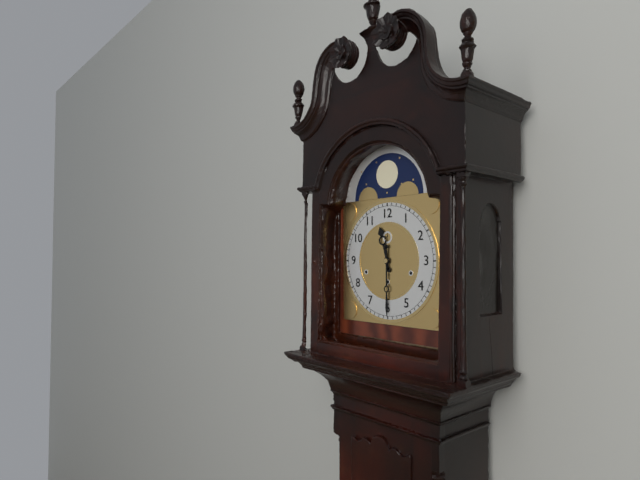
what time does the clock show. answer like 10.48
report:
11.30
